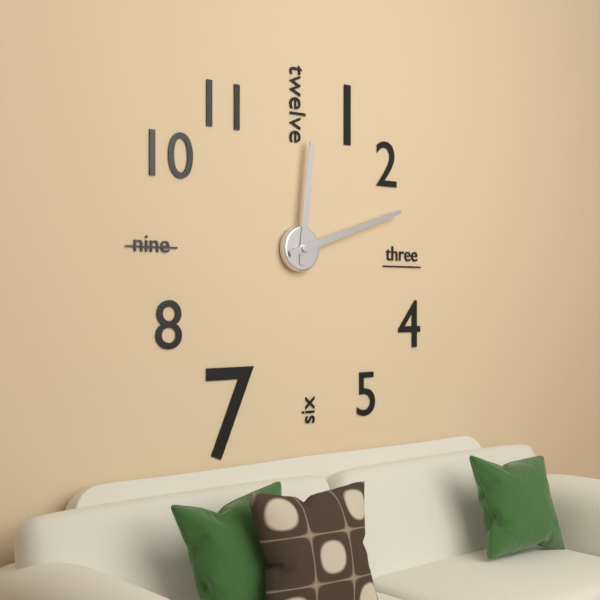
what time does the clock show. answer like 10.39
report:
12.12
